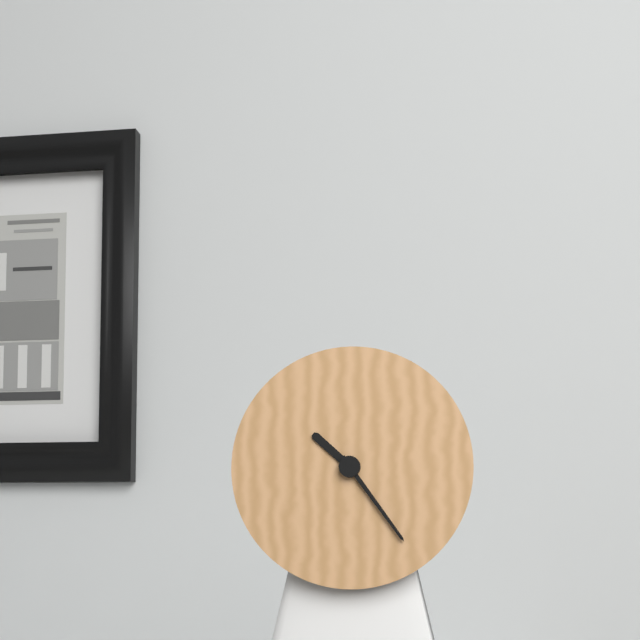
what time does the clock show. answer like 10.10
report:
10.24
